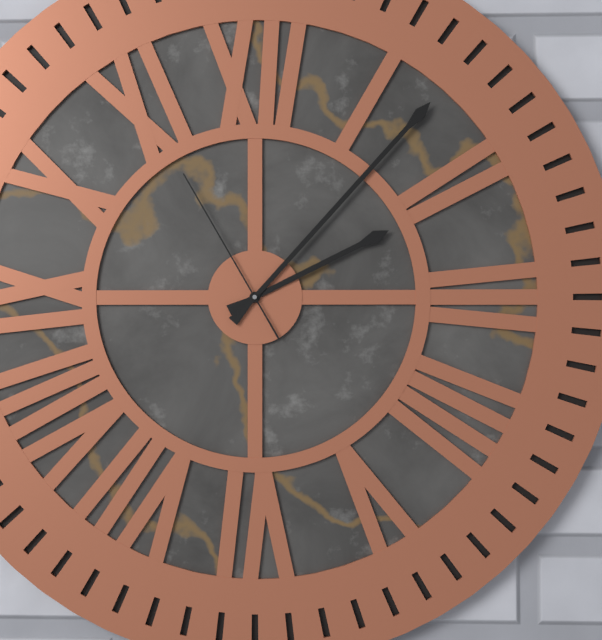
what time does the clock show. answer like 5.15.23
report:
2.07.55
